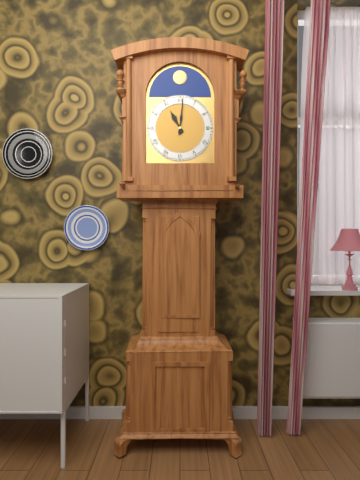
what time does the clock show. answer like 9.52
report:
11.01
